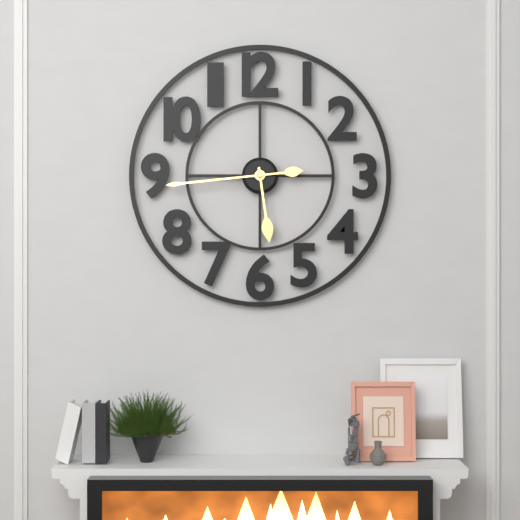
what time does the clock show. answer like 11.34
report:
5.44
